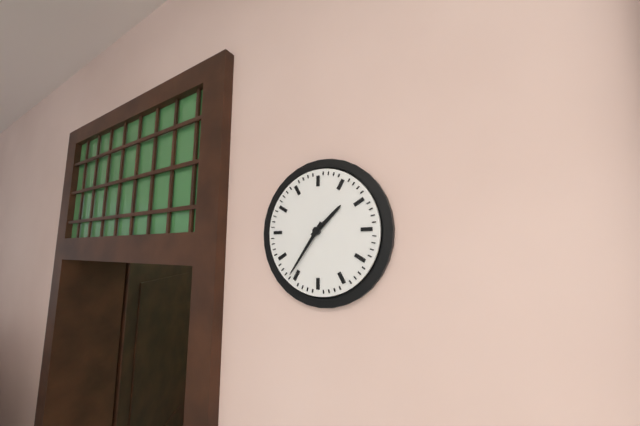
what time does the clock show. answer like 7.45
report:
1.36
